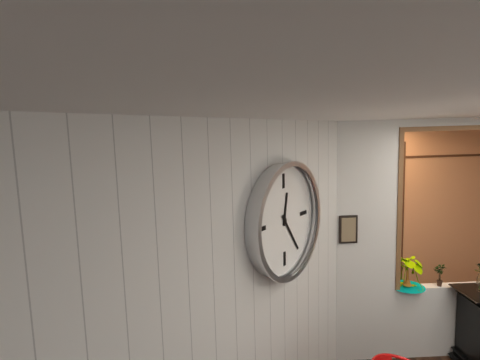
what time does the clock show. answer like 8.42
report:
12.24
